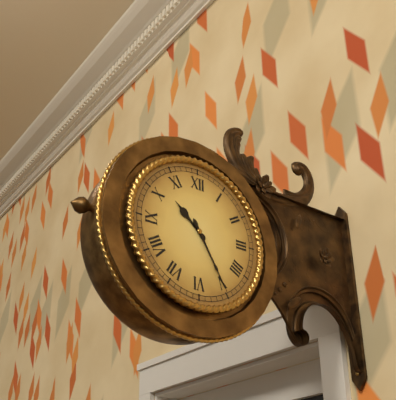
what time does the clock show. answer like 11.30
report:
10.25
